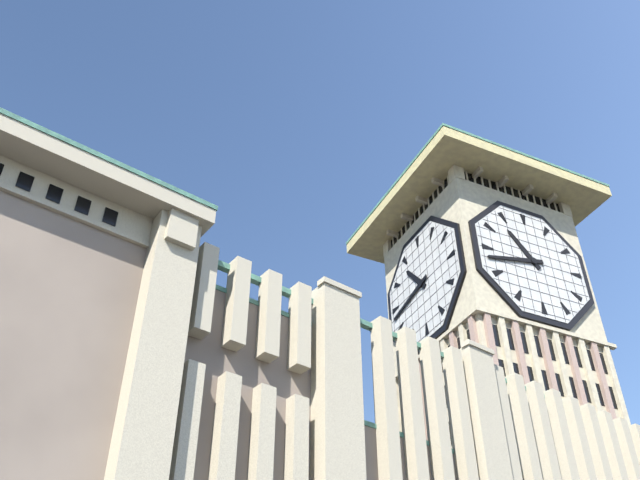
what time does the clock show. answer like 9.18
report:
10.43
